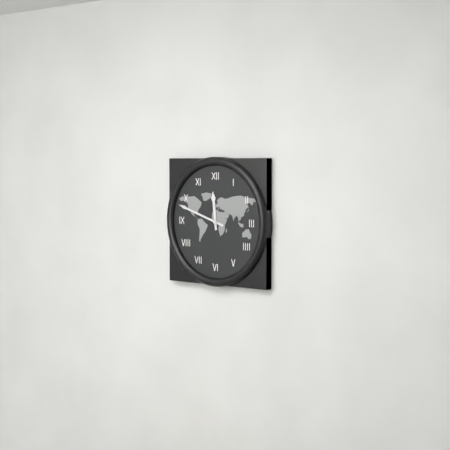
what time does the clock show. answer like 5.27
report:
11.48
